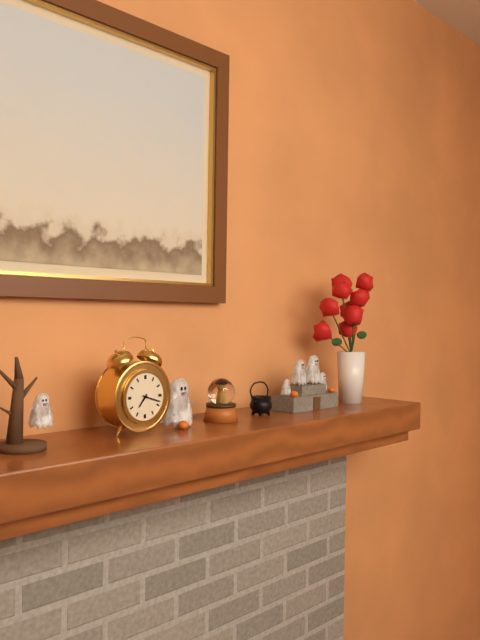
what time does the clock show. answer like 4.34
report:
7.18
